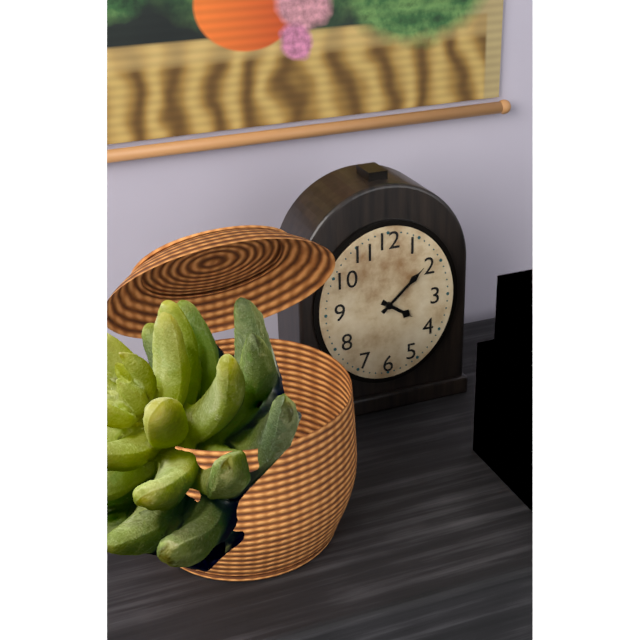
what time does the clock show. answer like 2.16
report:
4.08
